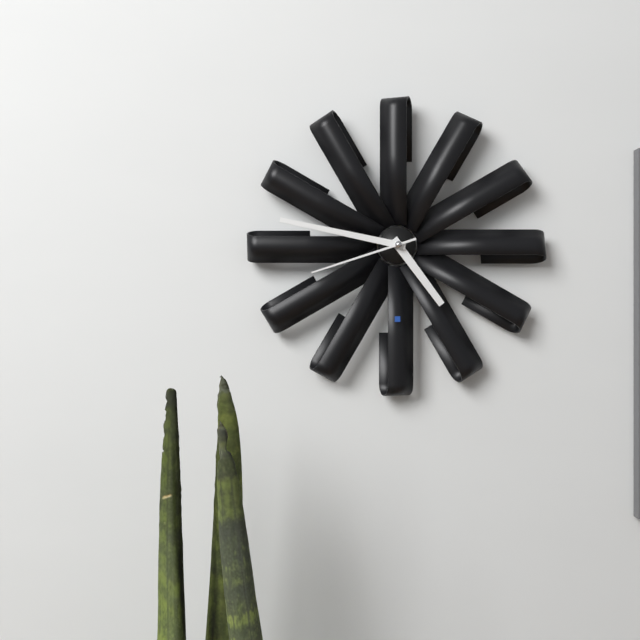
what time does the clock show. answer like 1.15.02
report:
4.47.42
